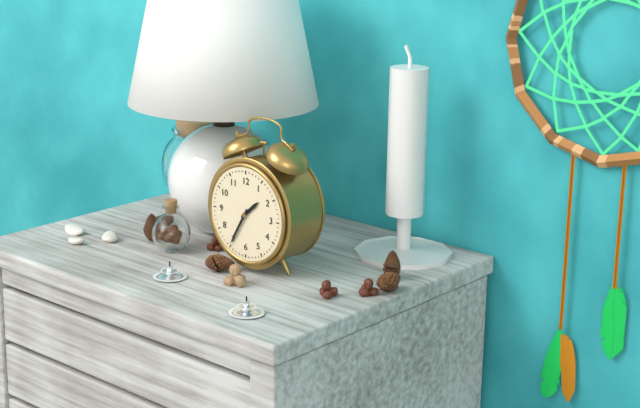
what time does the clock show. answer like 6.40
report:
1.35
